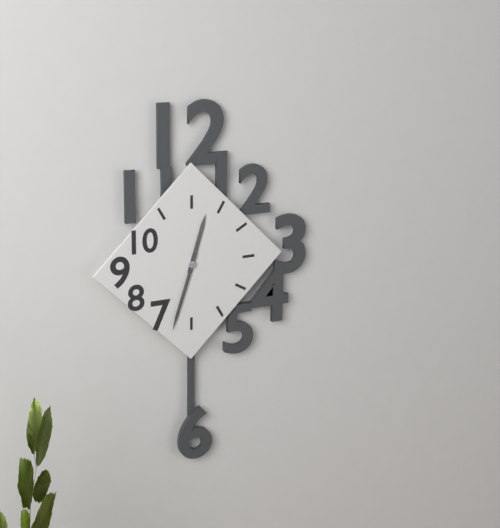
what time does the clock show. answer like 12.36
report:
12.33
